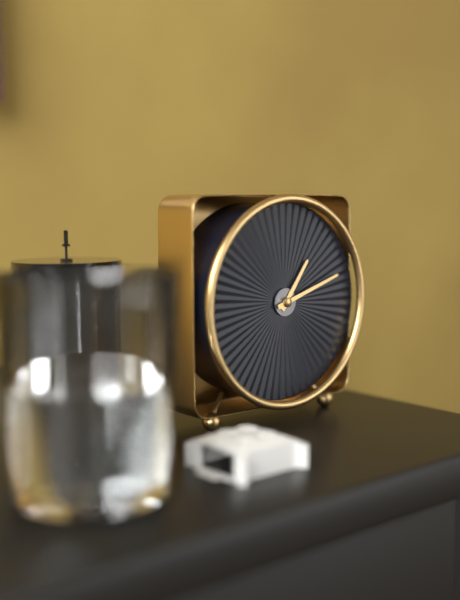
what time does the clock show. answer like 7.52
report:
1.12
